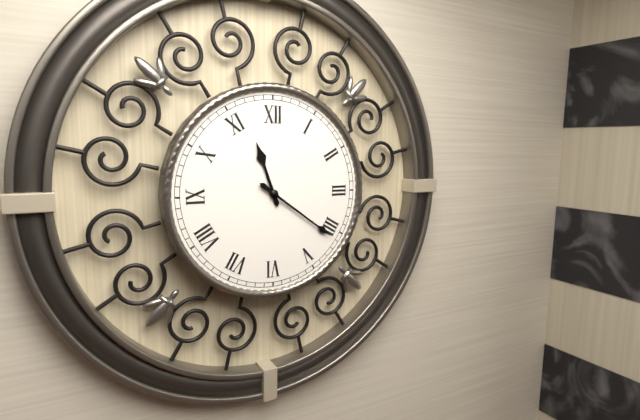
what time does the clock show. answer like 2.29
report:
11.21
